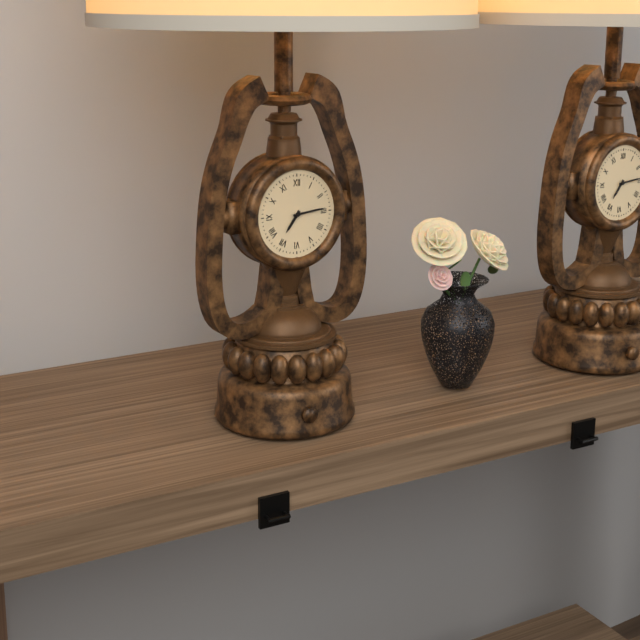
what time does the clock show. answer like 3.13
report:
7.14
